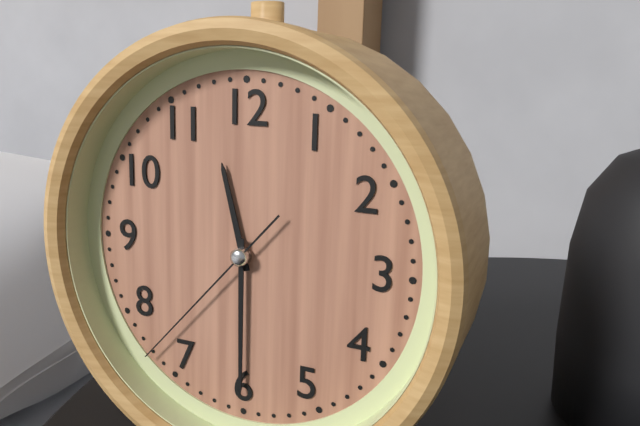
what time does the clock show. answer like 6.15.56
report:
11.30.37
